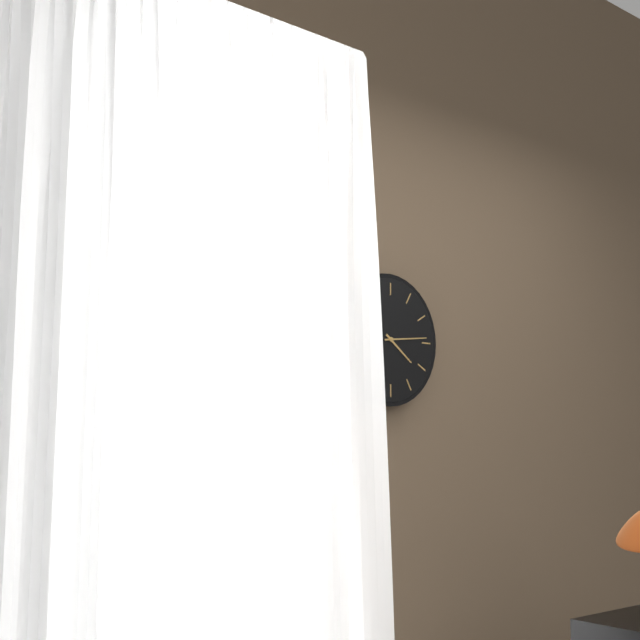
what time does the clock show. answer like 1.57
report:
4.14
